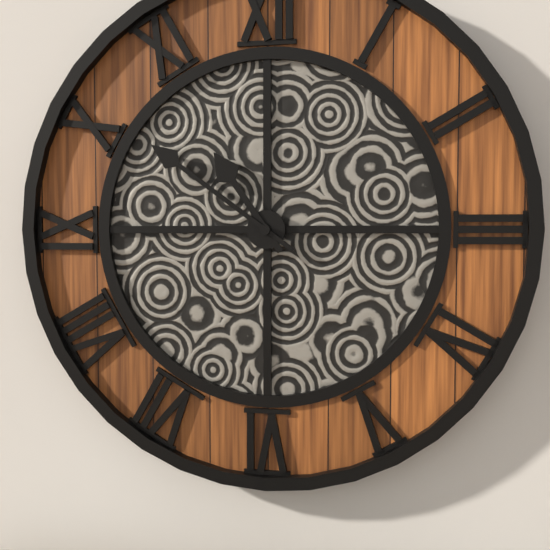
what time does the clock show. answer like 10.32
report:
10.51
